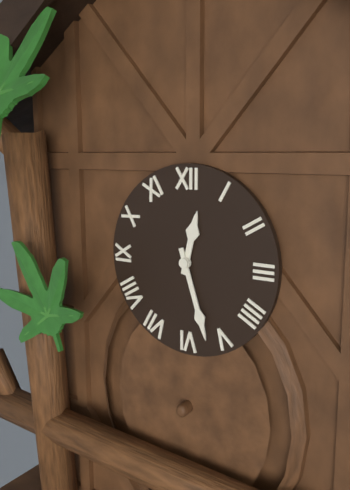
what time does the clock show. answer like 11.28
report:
12.27
